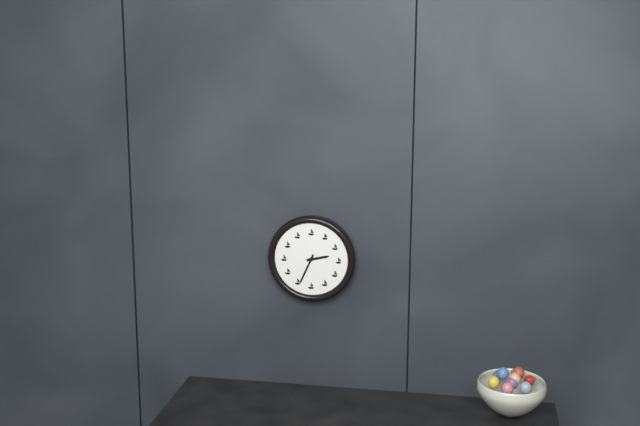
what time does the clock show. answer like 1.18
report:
2.34
